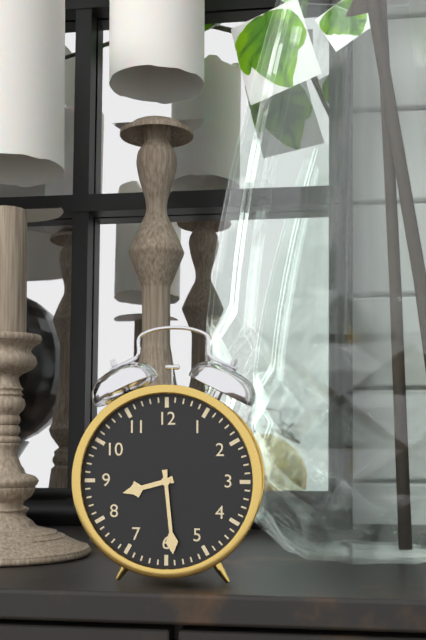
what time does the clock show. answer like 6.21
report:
8.29
